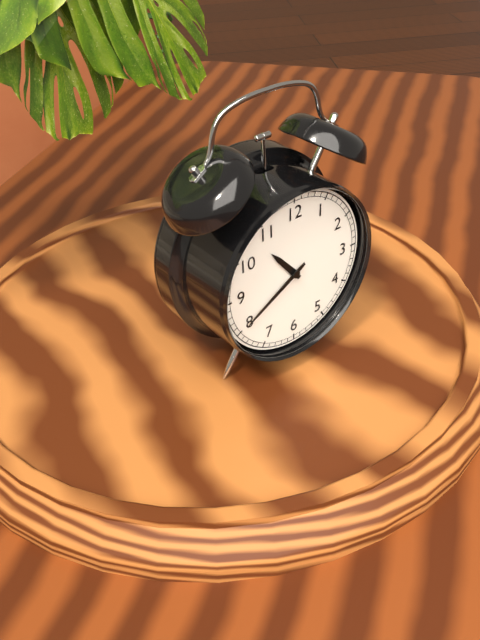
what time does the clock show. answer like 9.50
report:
10.40
